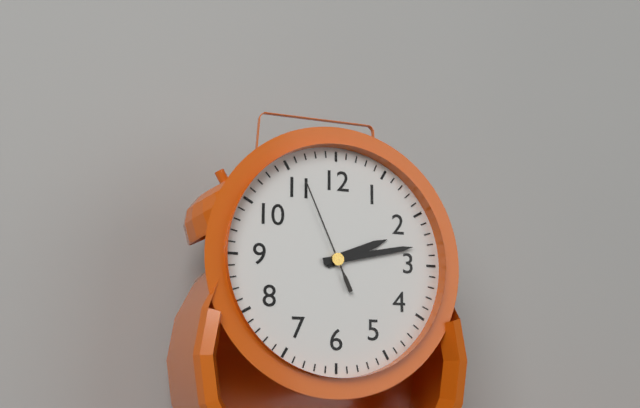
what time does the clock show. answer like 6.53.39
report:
2.13.56
